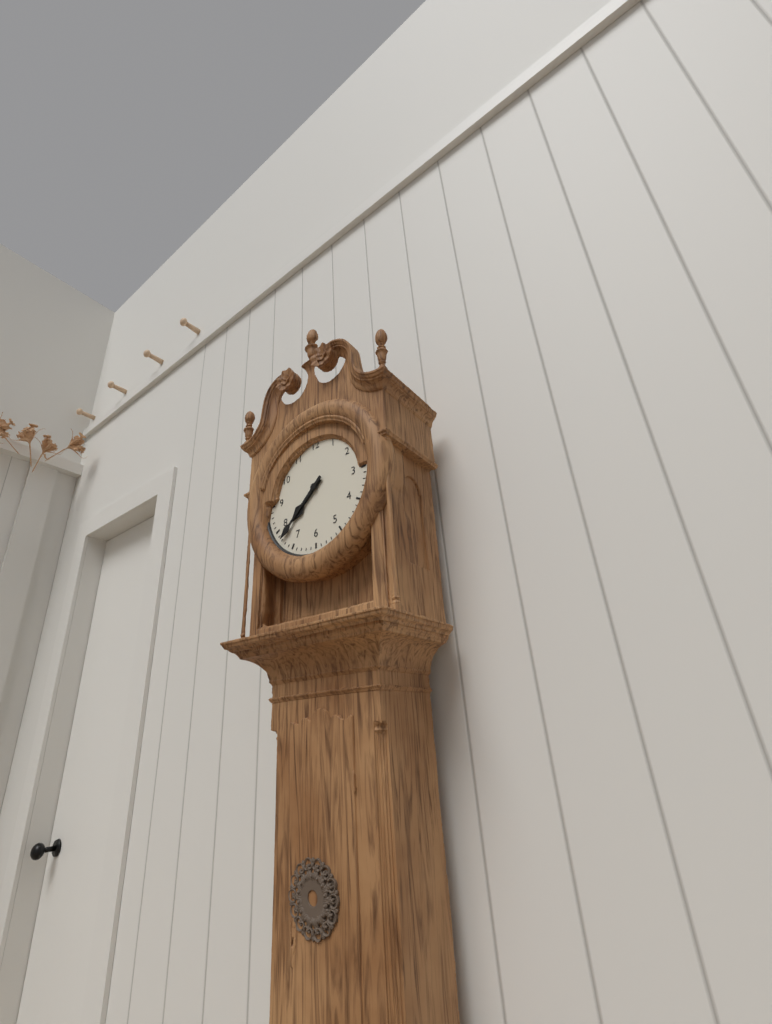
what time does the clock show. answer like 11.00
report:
7.38
